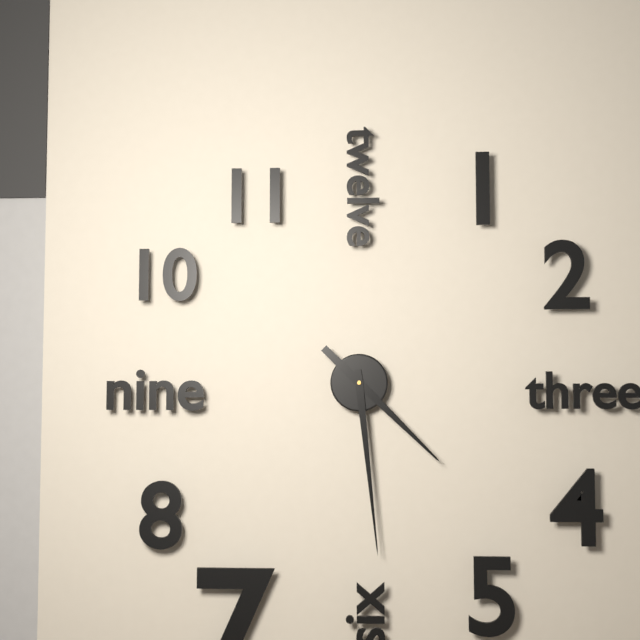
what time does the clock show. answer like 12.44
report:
4.29
